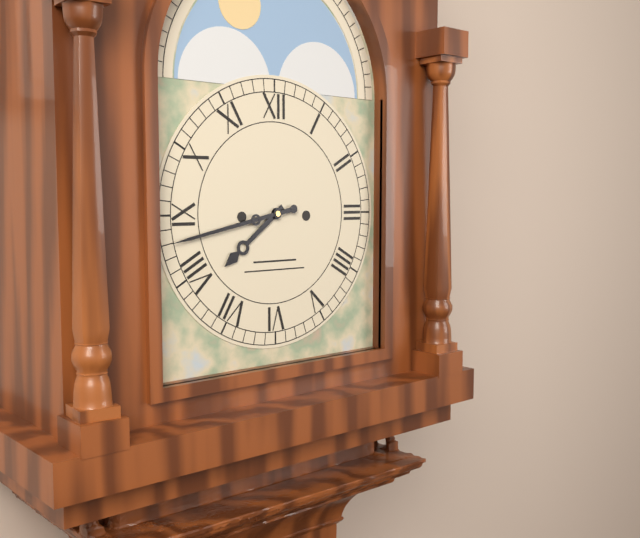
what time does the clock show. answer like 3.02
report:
7.43
